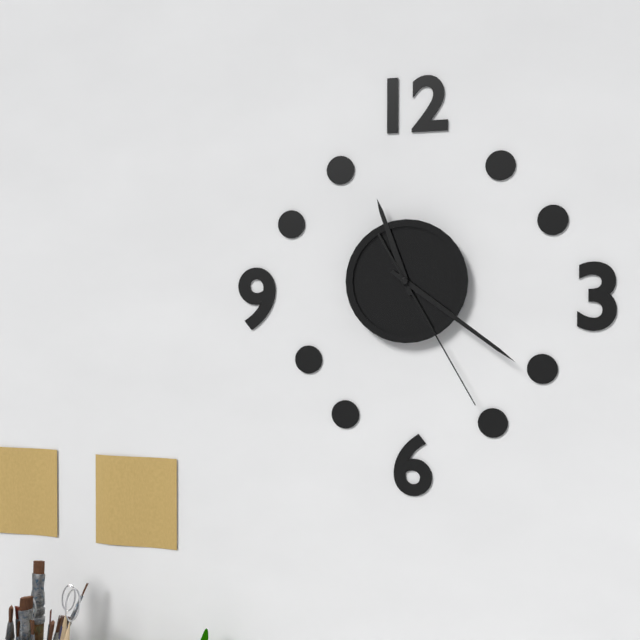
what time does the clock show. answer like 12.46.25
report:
11.21.25
